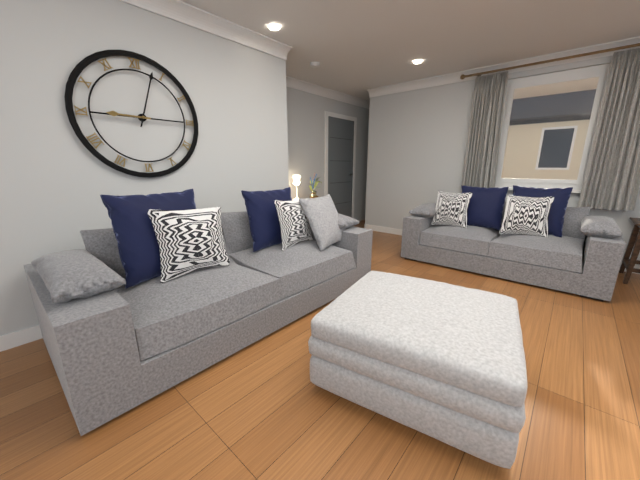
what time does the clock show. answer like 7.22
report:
9.03
